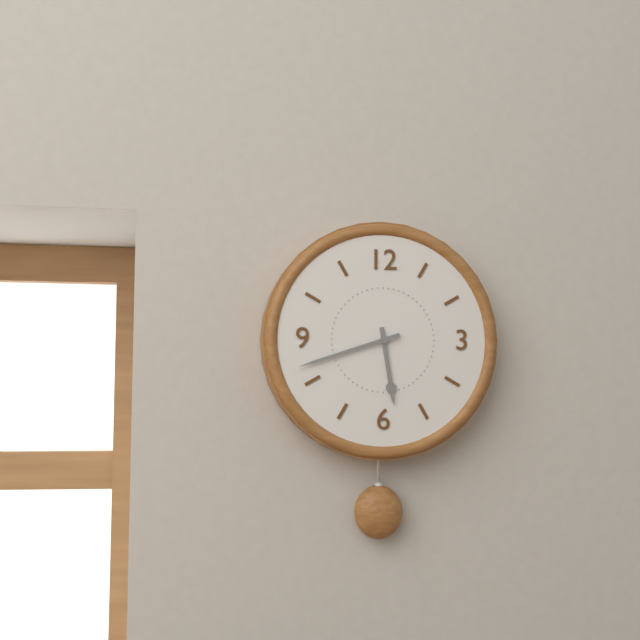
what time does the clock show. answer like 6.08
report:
5.42
